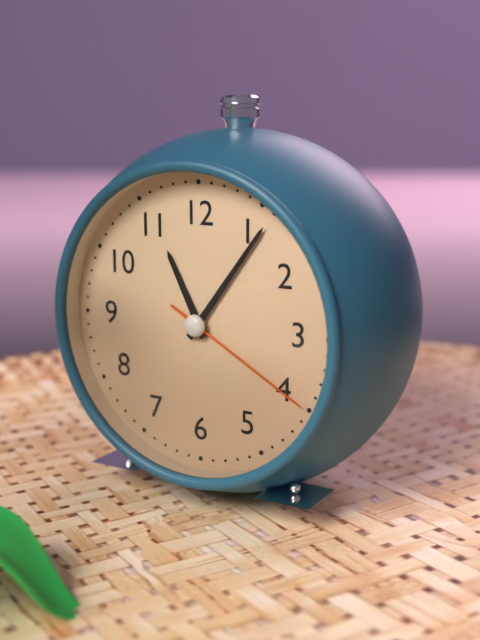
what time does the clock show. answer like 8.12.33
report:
11.06.20
